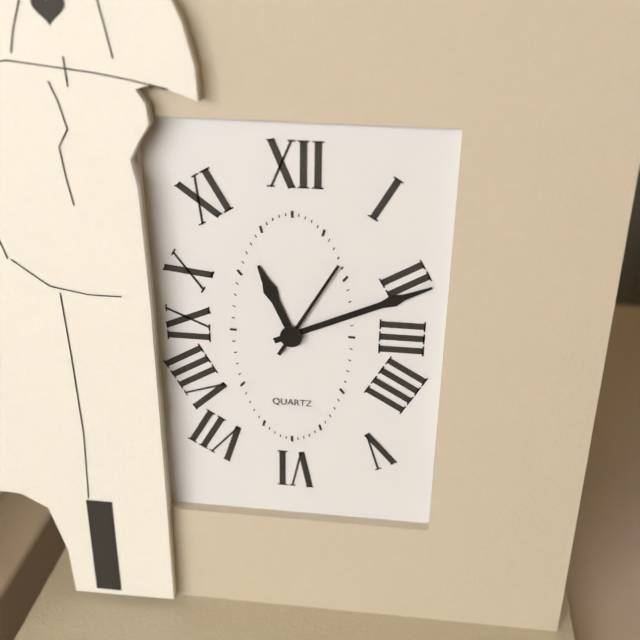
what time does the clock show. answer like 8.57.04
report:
11.11.05
